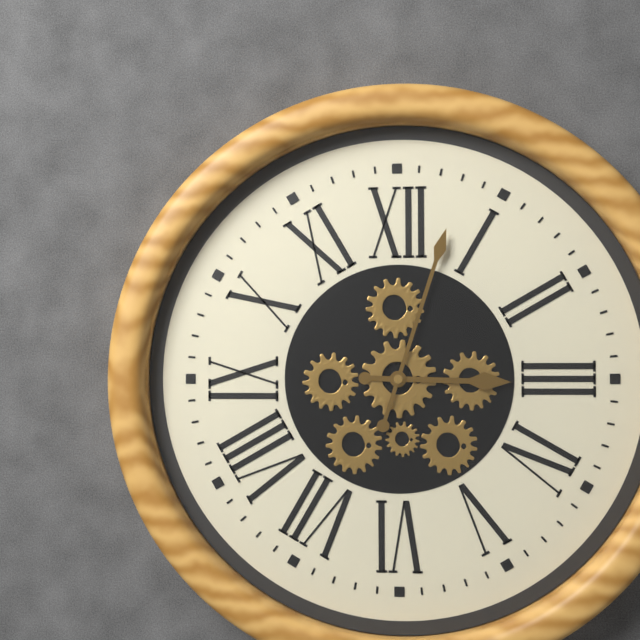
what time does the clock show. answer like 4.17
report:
3.03
